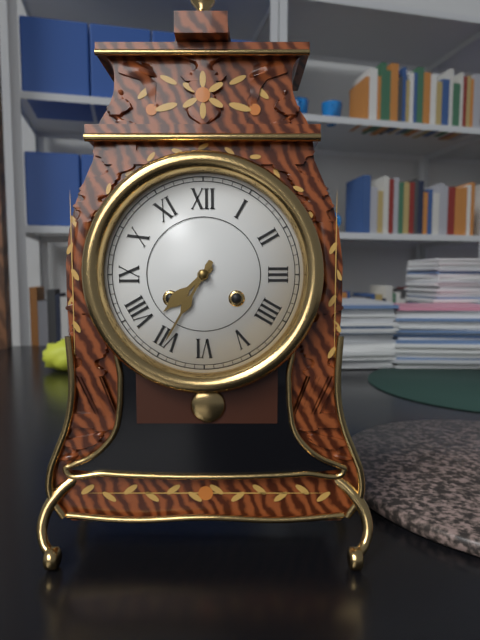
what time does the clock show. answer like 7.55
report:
7.35
